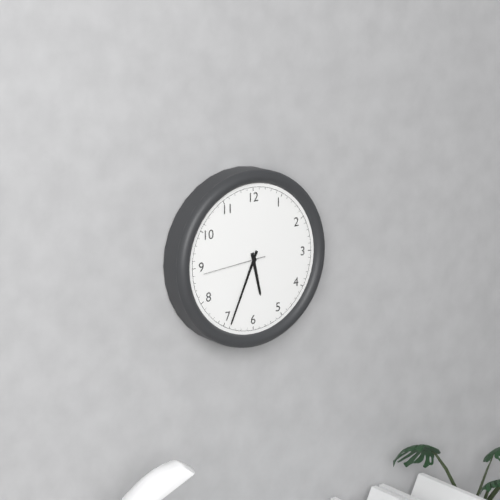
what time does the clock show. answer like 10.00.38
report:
5.34.44
